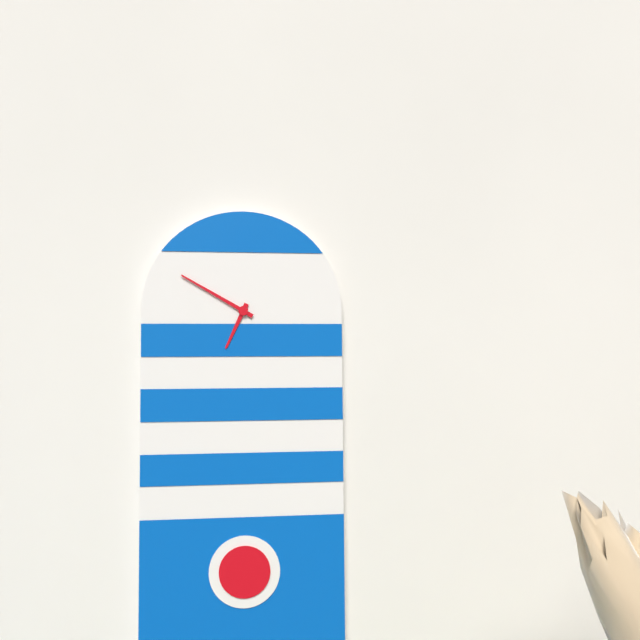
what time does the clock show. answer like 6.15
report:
6.50
